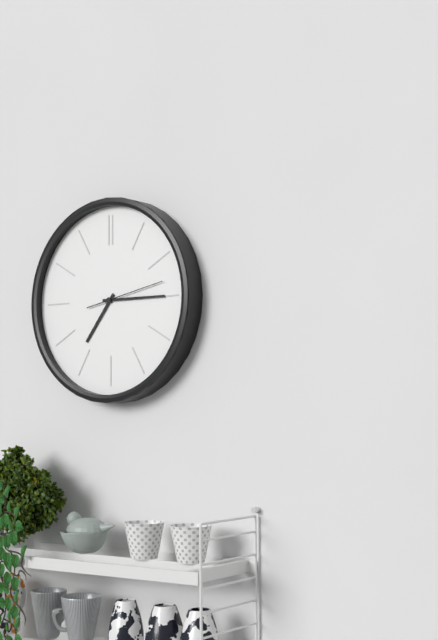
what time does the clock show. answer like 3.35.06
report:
7.15.13
